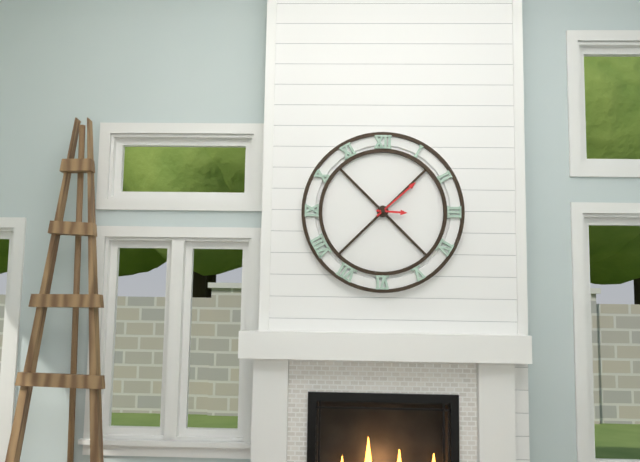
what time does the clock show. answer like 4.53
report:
3.08
